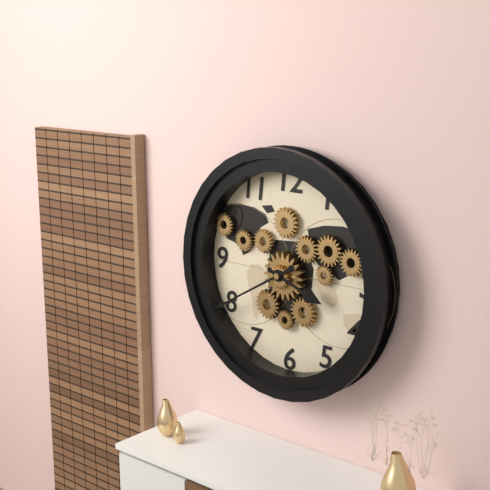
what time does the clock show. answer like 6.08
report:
3.40
